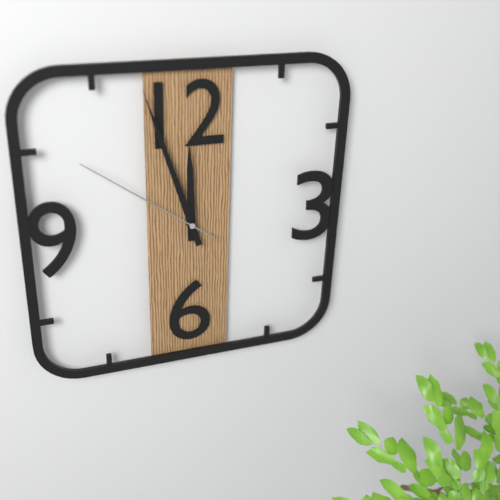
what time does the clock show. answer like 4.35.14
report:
11.57.51
